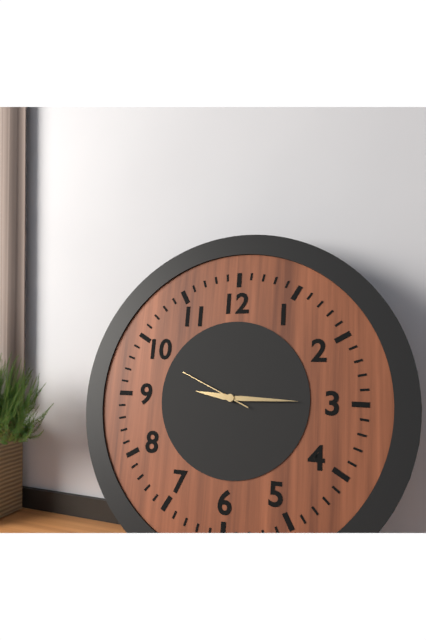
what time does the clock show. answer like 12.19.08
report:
9.15.49
